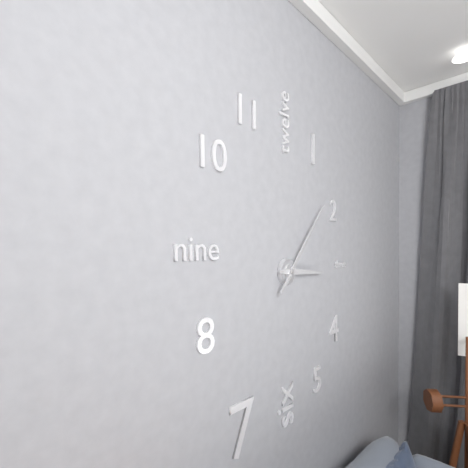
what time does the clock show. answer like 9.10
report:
3.07
